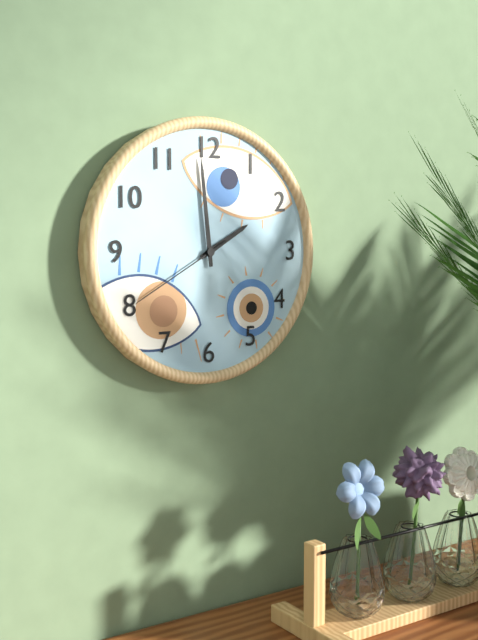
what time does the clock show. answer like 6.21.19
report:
1.59.40
